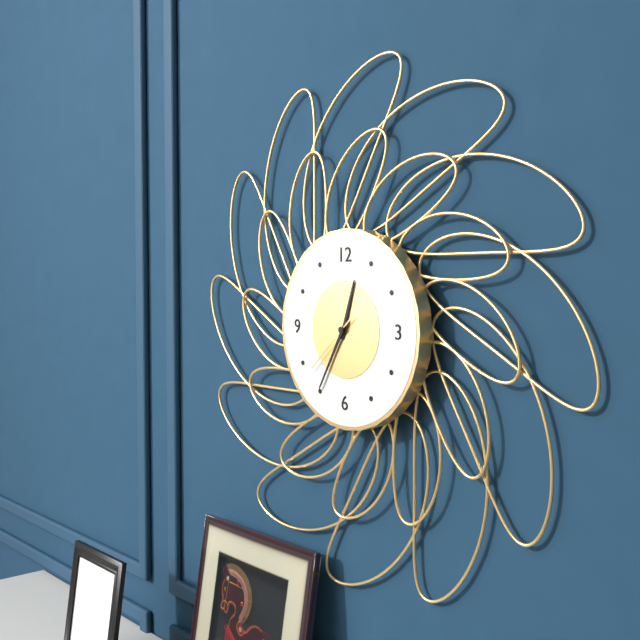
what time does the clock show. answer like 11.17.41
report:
12.35.38
